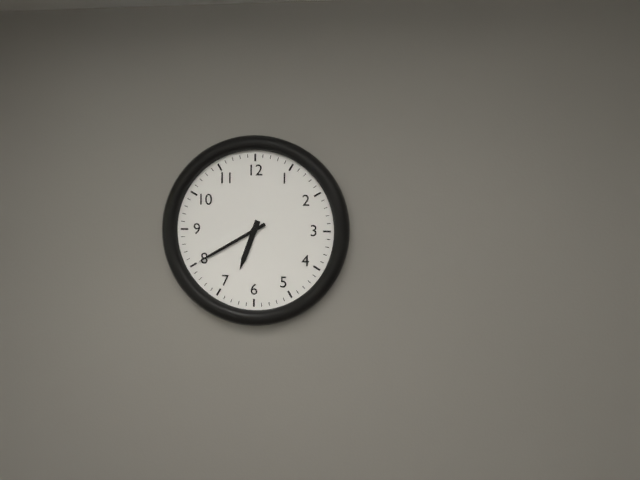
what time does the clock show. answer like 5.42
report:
6.40
